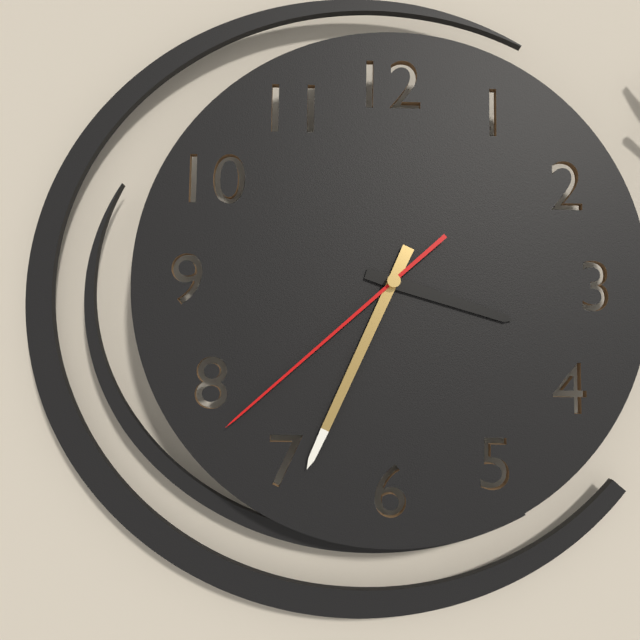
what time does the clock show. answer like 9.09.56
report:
3.34.38
